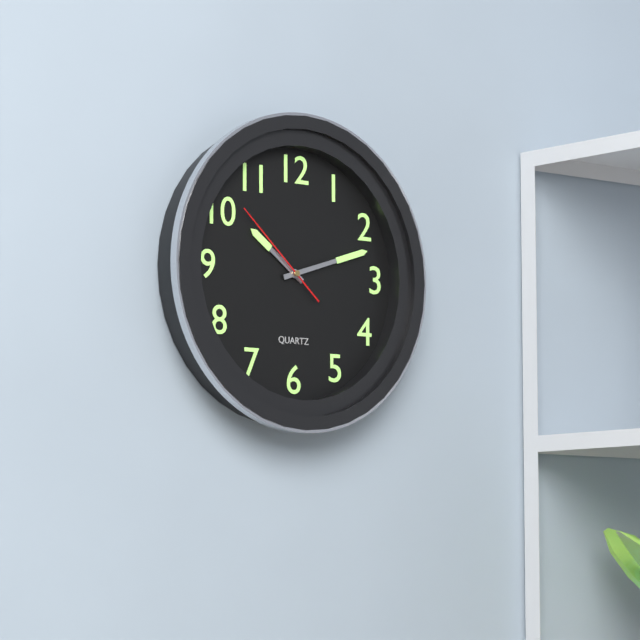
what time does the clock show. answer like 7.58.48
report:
10.12.52
